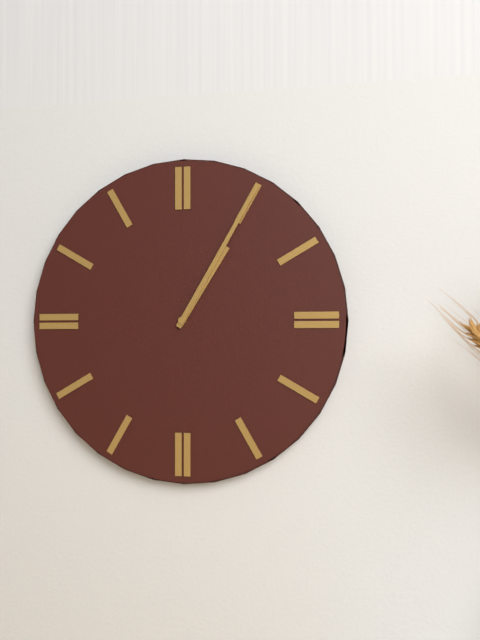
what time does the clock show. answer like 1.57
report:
1.05
